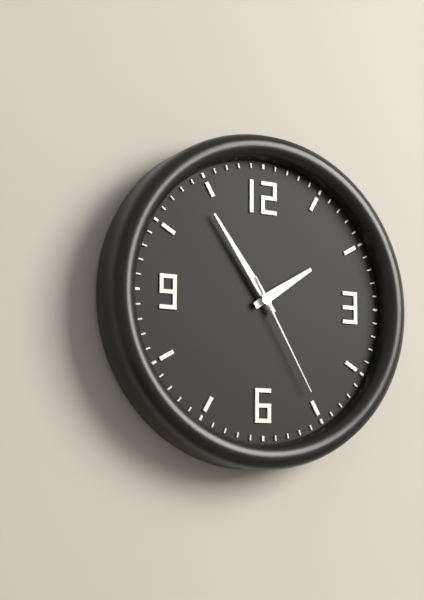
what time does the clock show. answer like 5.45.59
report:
1.54.25
